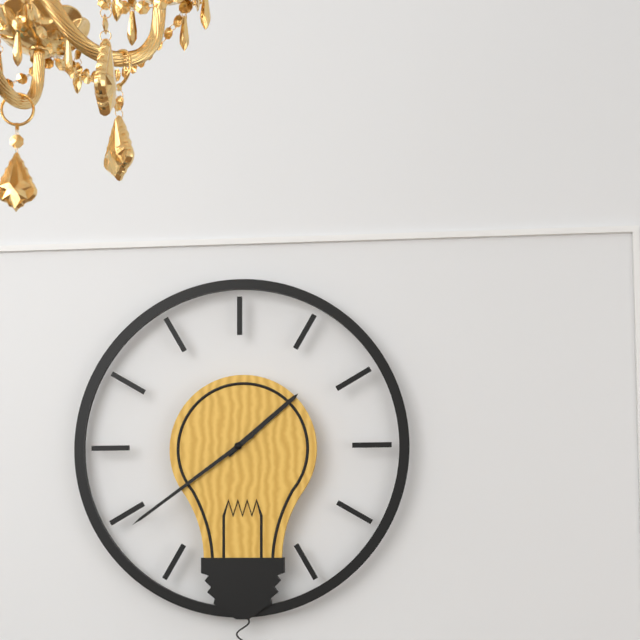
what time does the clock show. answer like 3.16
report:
1.39
